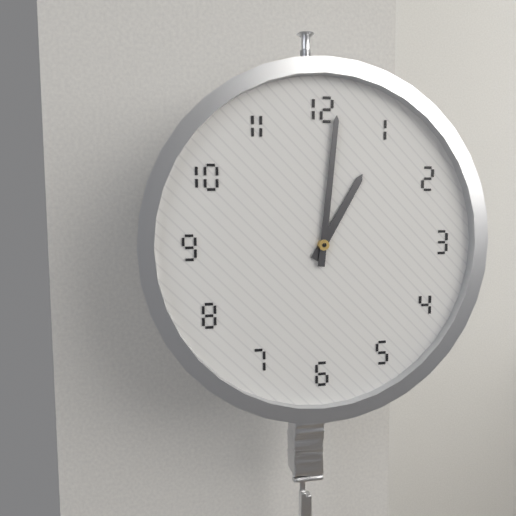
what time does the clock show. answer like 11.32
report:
1.01
